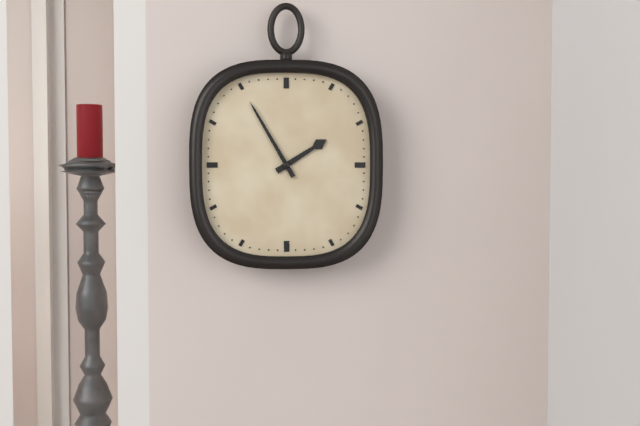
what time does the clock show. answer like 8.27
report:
1.55
